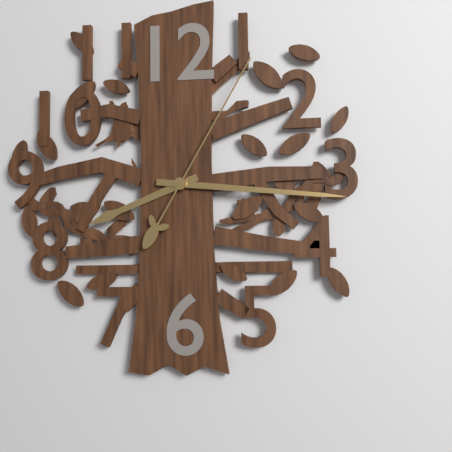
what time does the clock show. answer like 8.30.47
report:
8.16.05
